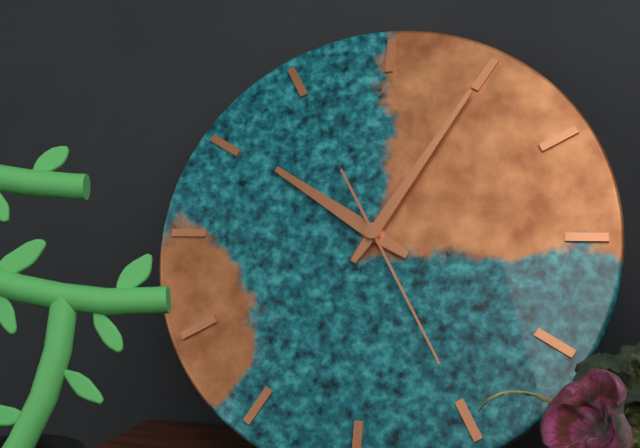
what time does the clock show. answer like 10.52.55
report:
10.05.25
